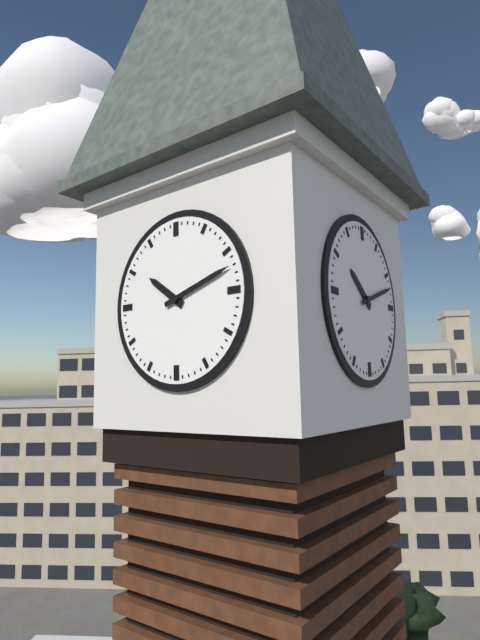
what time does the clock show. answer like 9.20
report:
10.12
